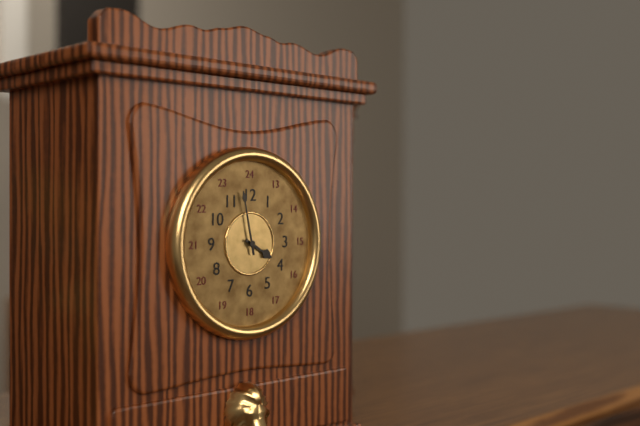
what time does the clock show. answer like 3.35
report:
3.58
